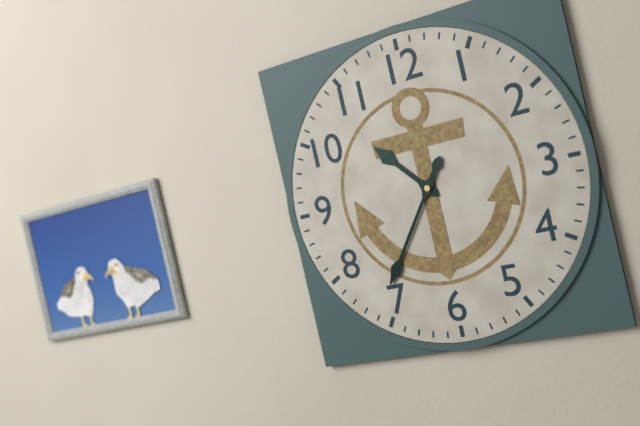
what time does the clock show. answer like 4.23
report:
10.36
